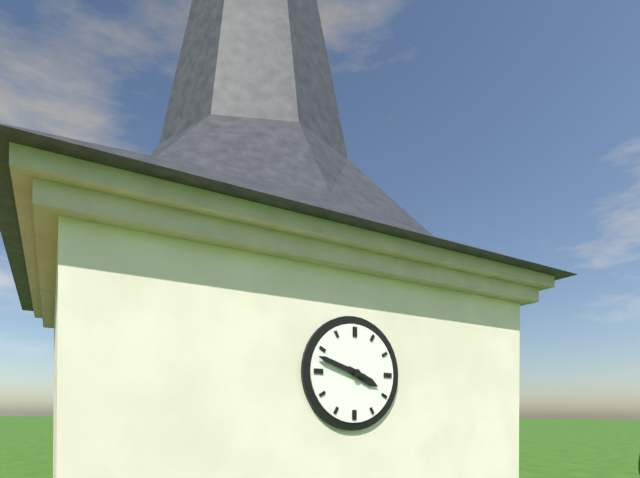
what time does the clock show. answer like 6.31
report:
3.48
